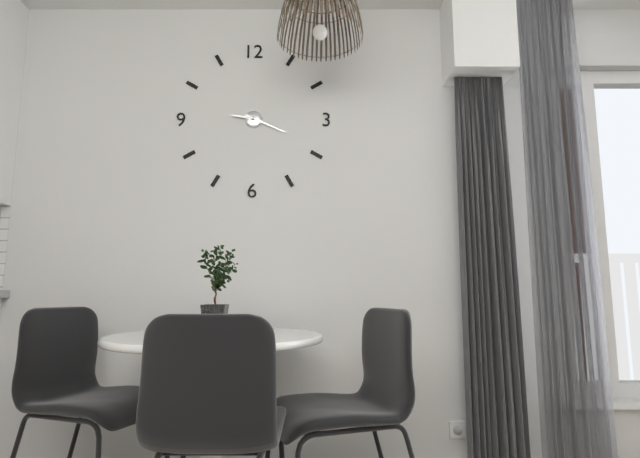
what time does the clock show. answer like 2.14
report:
9.19
